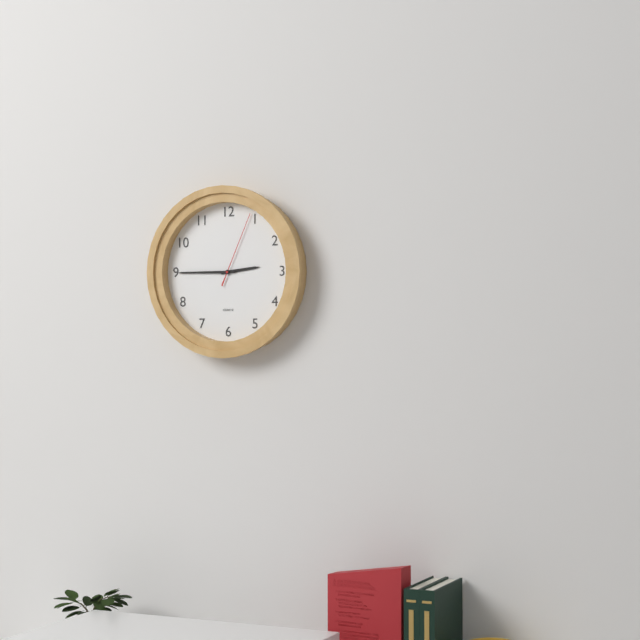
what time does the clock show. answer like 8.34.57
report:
2.45.04
